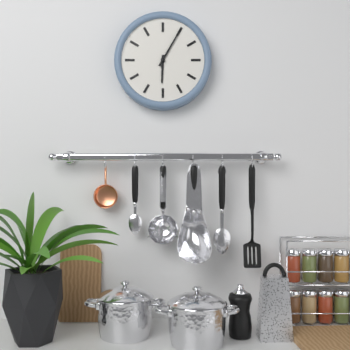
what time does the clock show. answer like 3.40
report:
6.05
